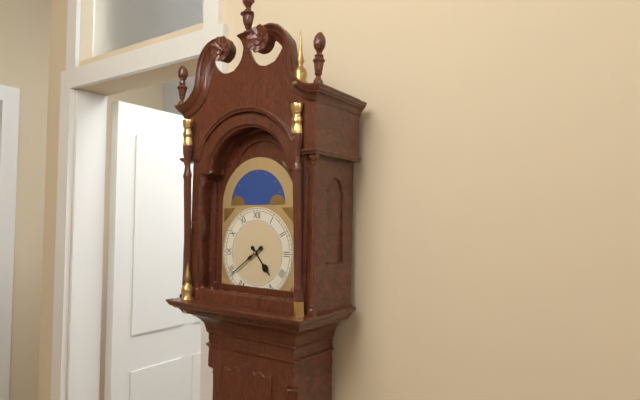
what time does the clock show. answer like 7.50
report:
4.39
